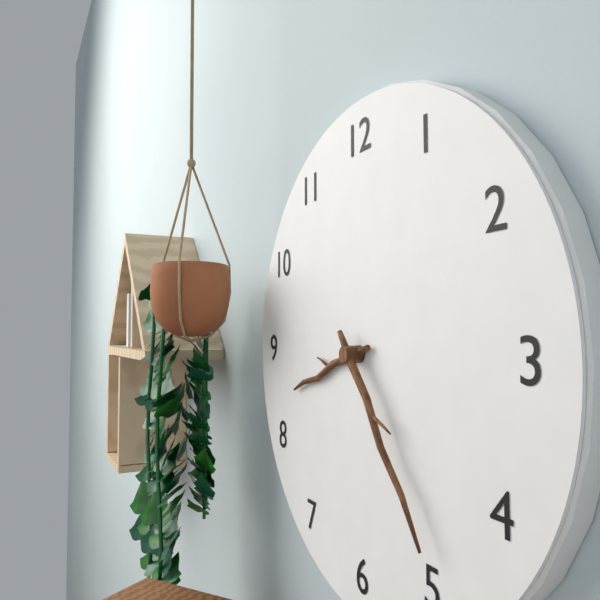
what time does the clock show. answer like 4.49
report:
8.24
